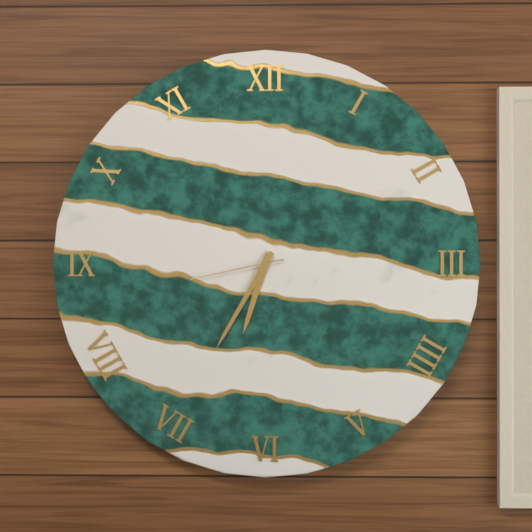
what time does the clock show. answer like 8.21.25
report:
6.35.43
